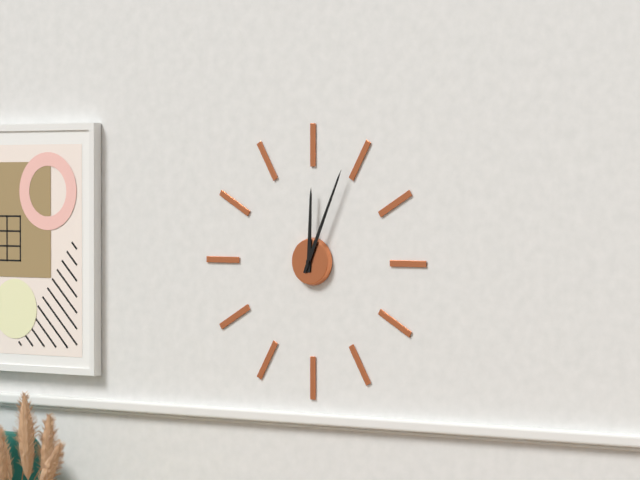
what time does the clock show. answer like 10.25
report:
12.04
